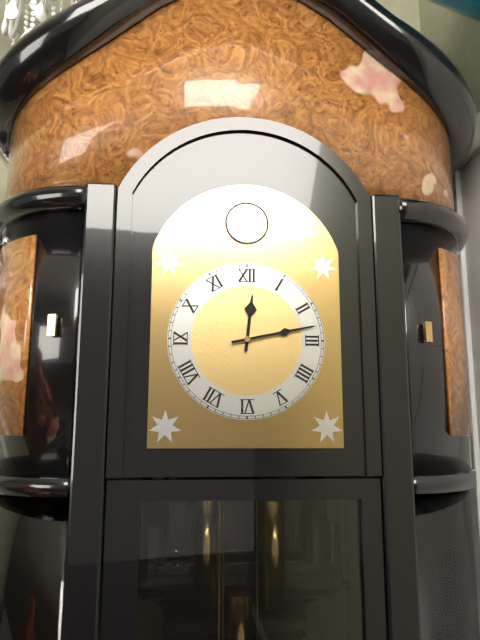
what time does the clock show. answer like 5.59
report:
12.13
